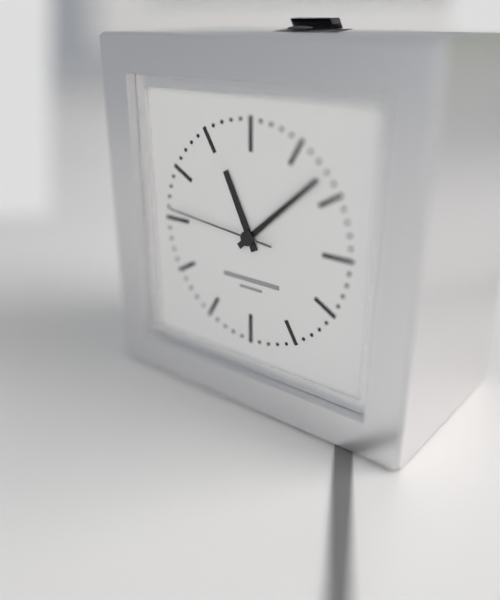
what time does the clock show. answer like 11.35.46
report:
11.08.46
